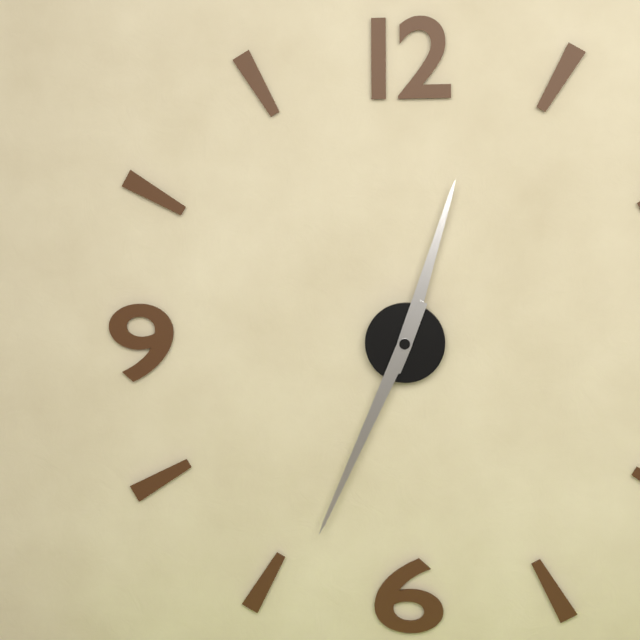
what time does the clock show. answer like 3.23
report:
12.34
